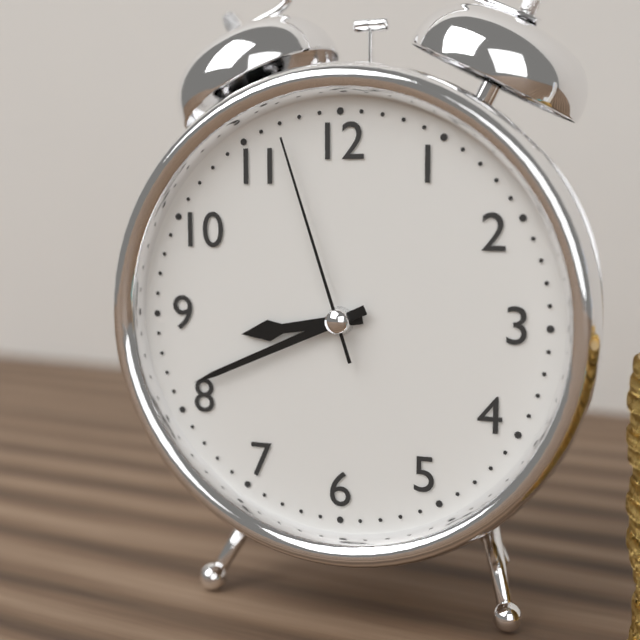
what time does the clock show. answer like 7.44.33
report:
8.41.57
